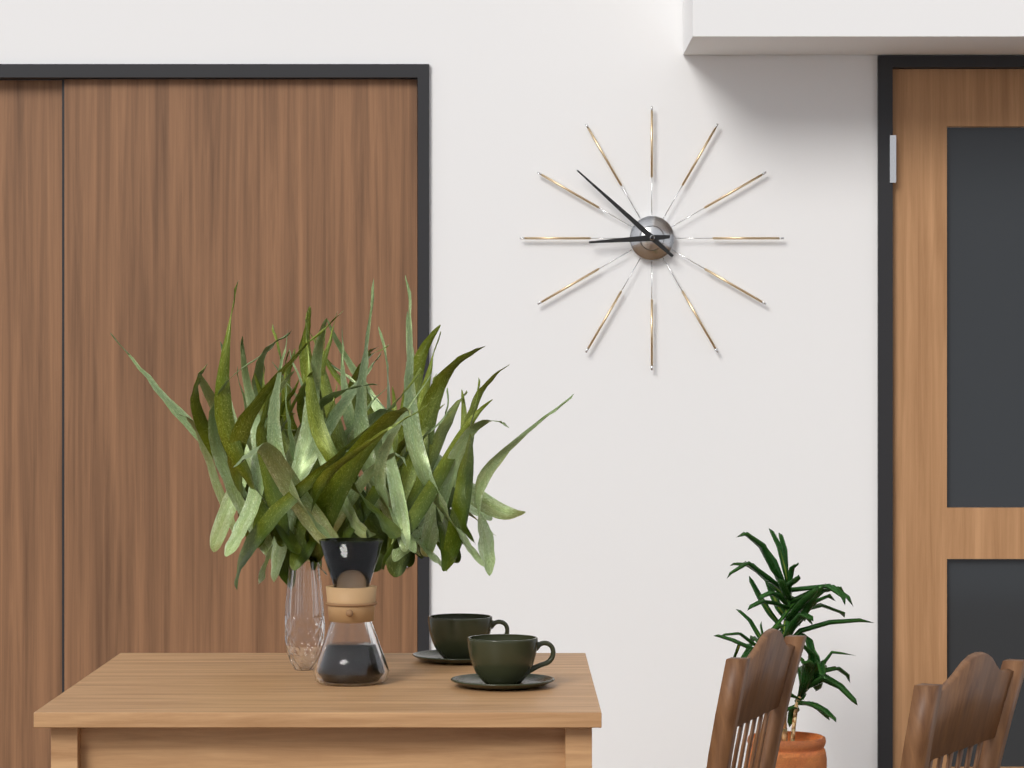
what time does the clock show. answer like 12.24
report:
8.52
